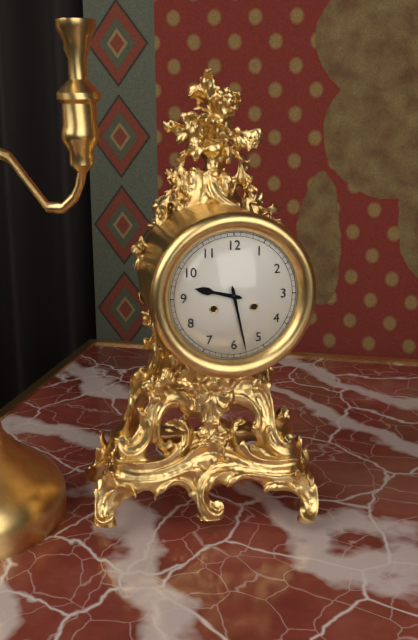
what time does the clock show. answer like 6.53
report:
9.28
